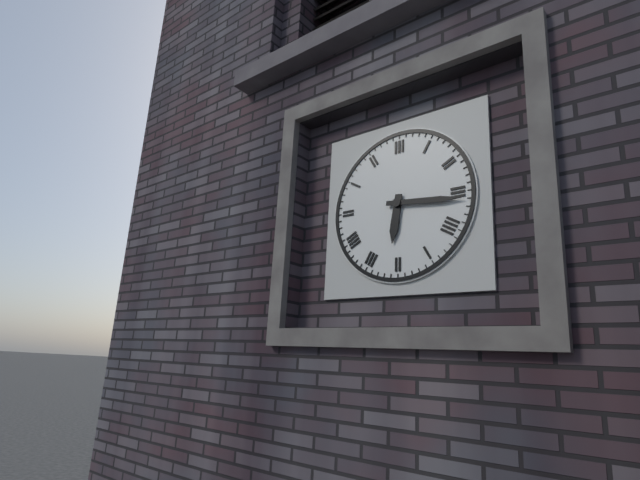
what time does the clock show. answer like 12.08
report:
6.16
